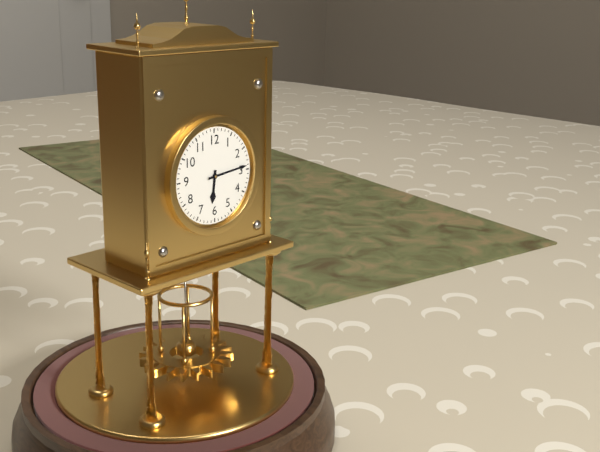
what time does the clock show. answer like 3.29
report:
6.14
